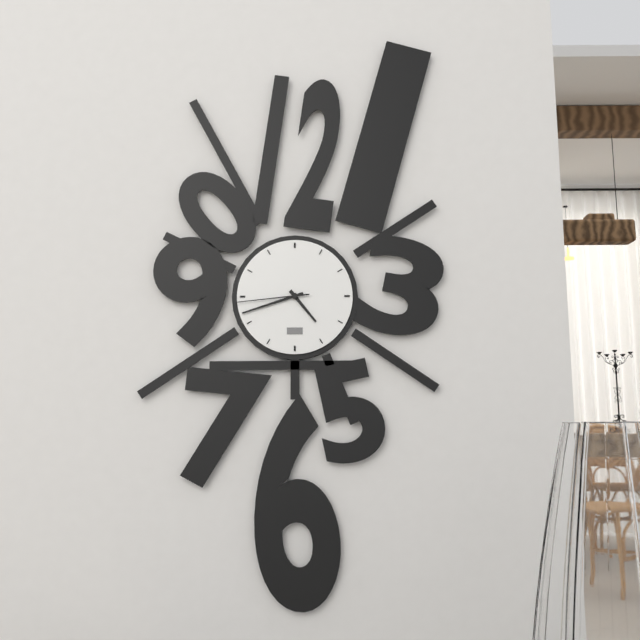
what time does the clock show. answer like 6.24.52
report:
4.42.44
